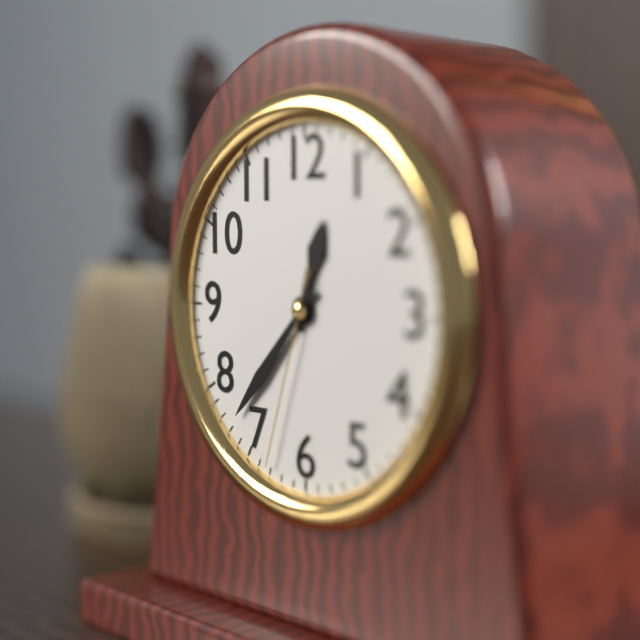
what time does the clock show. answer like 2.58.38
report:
12.37.33
